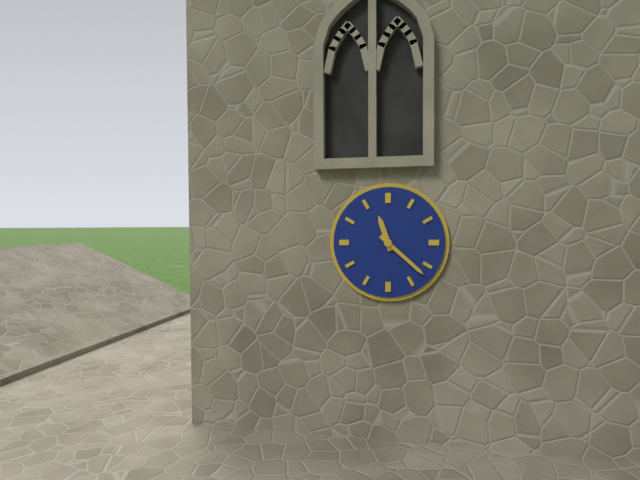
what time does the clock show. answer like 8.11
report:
11.22
